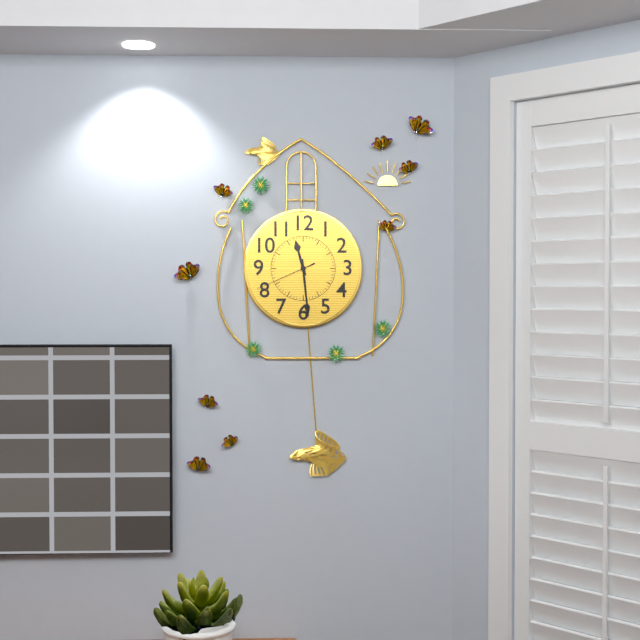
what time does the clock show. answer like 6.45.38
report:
11.29.41
